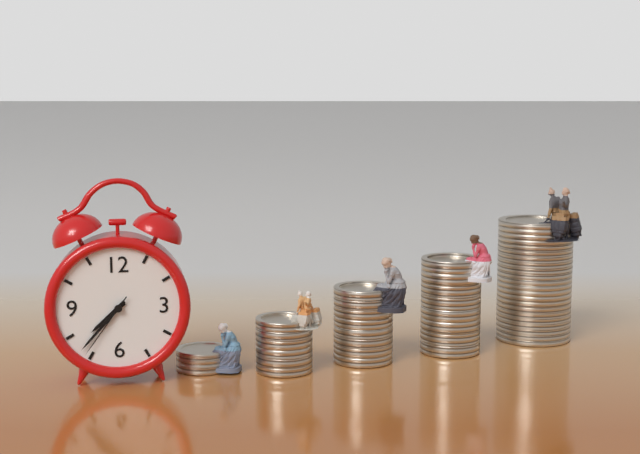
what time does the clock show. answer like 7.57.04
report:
7.37.36
